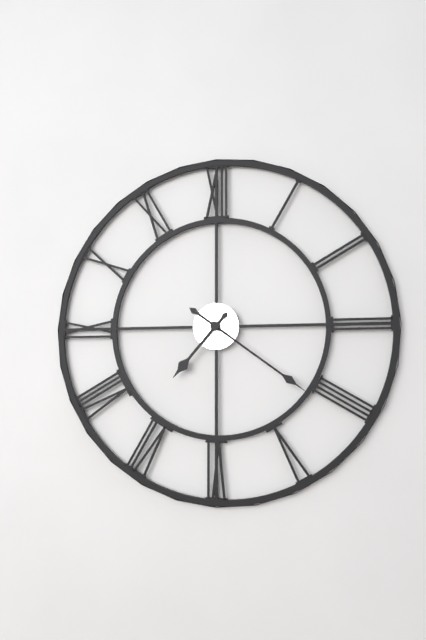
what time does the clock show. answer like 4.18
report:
7.21
